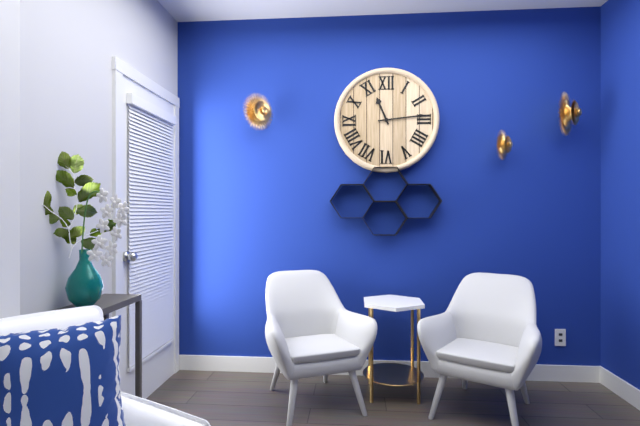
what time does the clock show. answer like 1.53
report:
11.14
